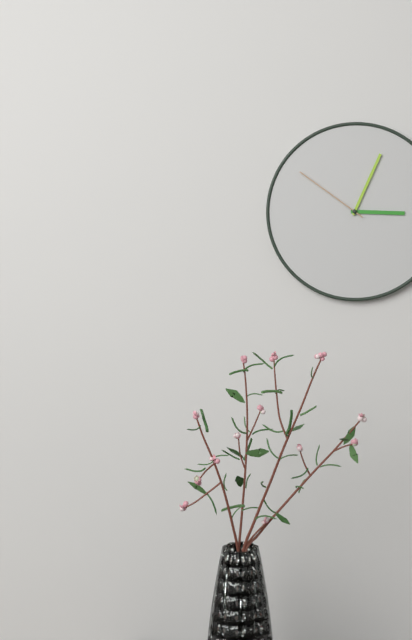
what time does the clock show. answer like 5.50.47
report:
3.04.51
